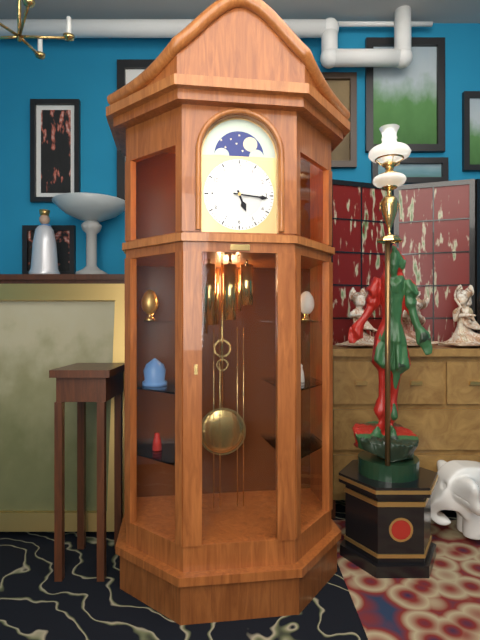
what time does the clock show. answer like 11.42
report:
5.16
